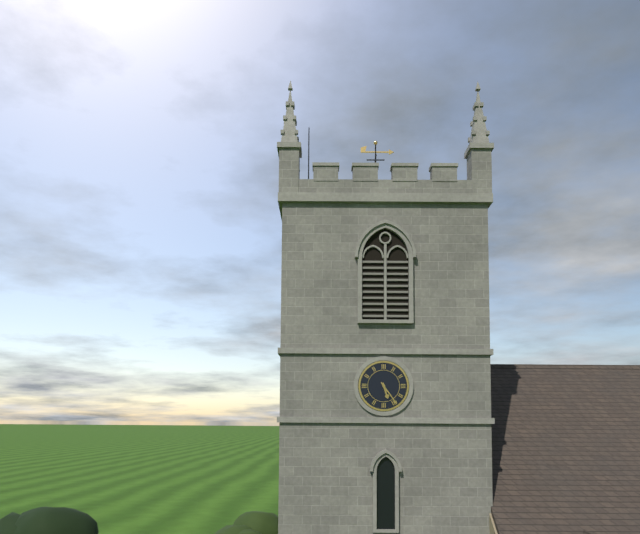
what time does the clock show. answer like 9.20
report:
5.24
